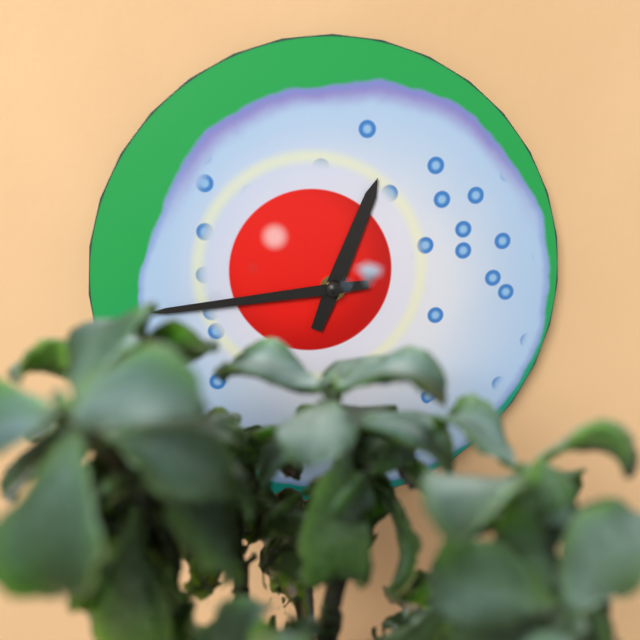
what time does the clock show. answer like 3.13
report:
12.44
